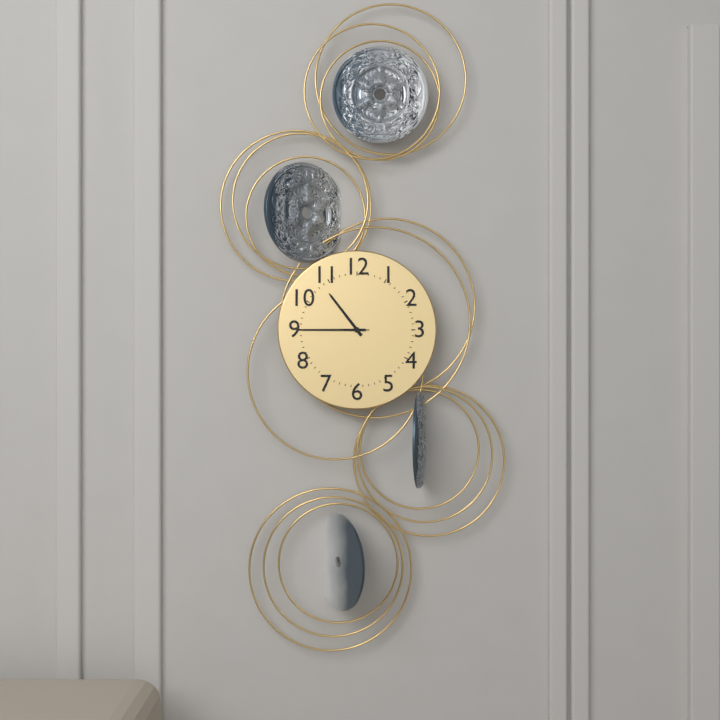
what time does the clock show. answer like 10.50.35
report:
10.45.45
